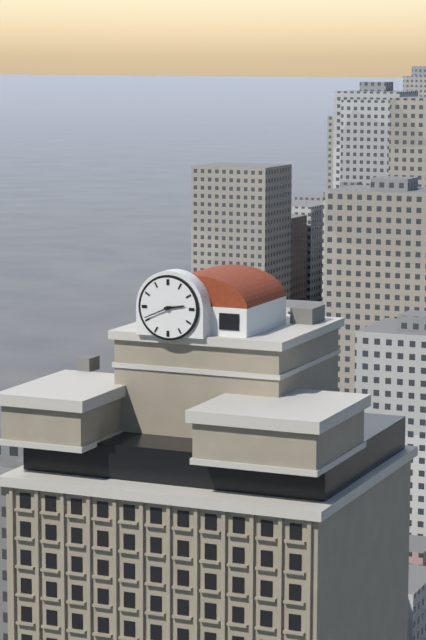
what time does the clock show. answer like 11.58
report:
2.41
